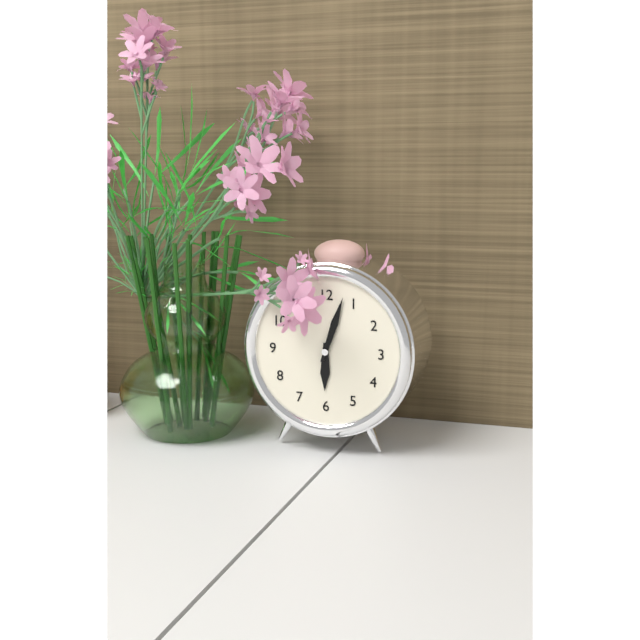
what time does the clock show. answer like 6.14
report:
6.03
